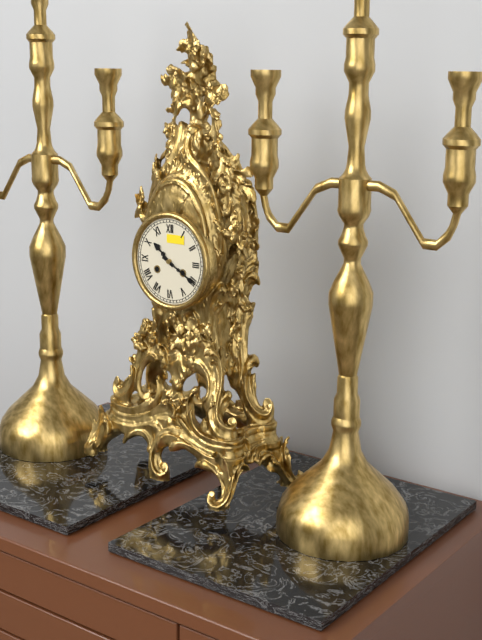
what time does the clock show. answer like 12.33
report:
10.20
